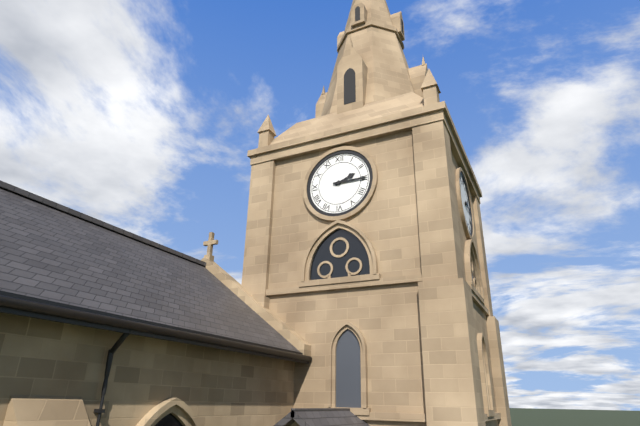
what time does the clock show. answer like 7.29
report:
2.15
